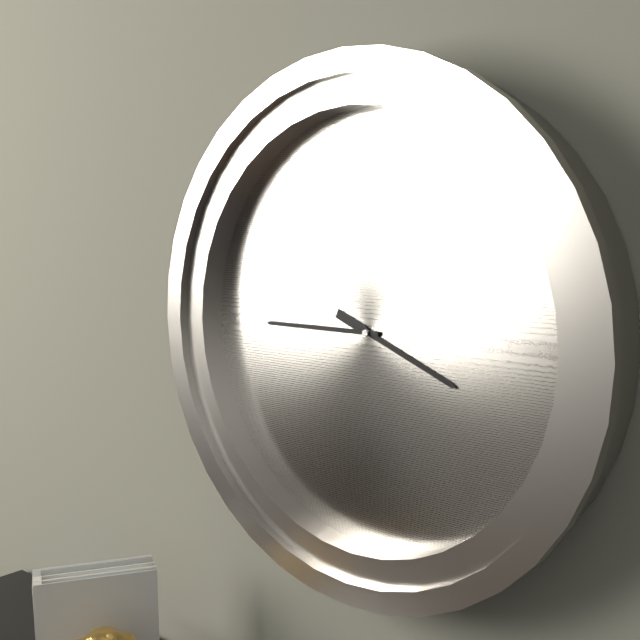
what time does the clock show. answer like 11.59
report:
3.45
